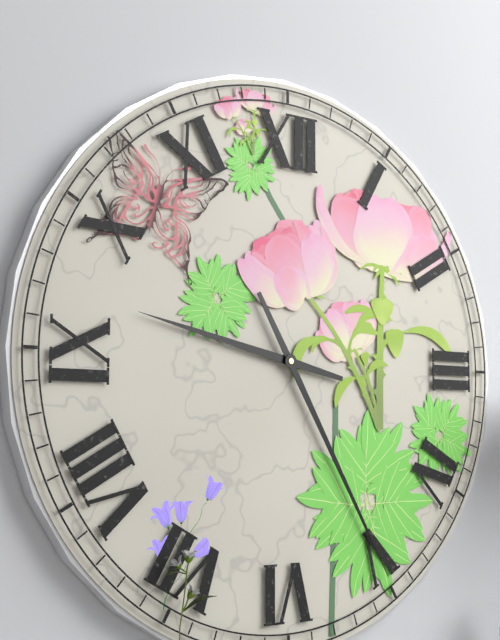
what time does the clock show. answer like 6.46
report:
9.25
